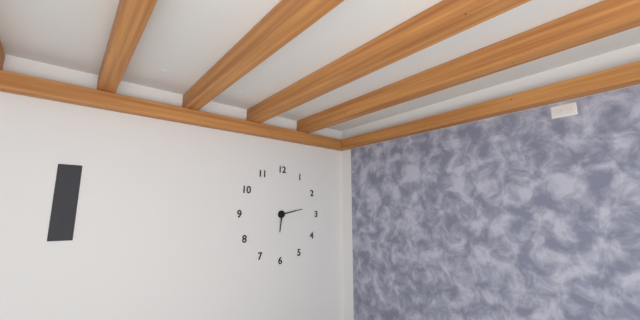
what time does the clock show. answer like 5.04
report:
6.13
